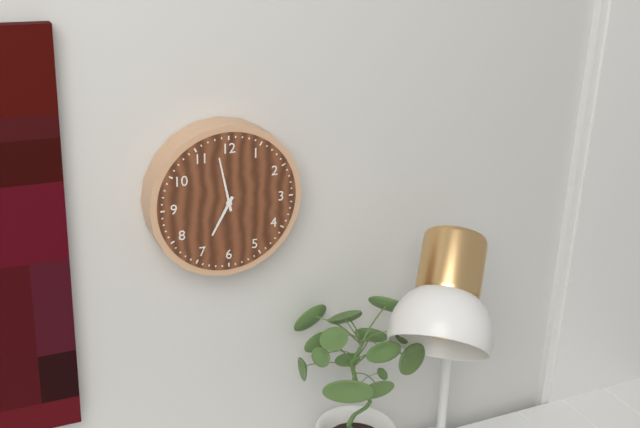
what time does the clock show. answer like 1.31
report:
6.58
